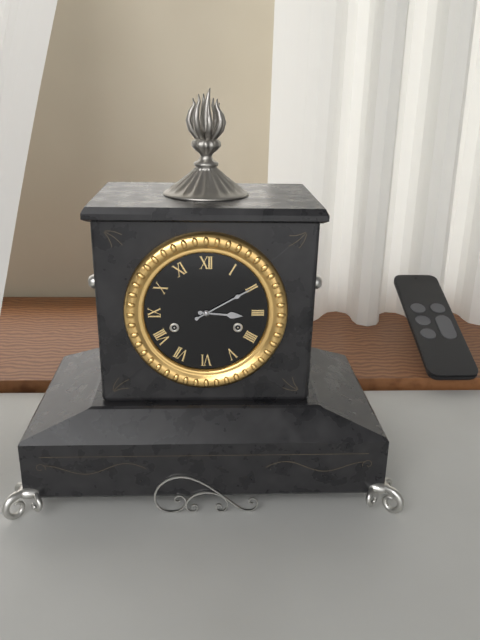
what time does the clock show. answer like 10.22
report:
3.10
